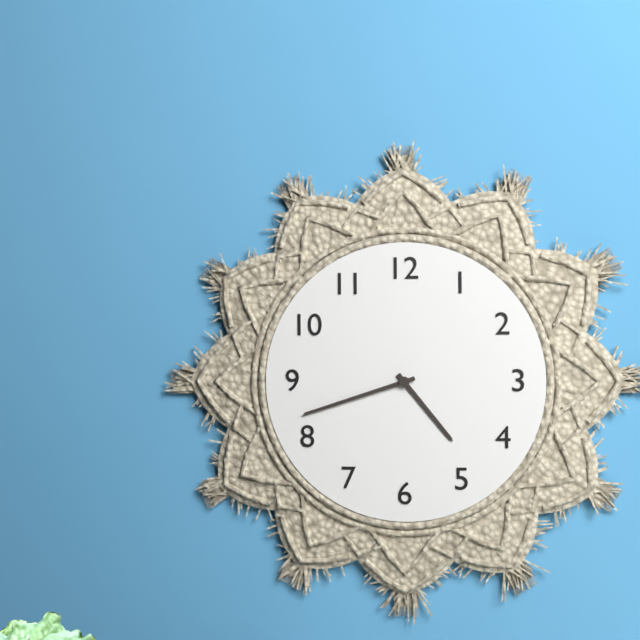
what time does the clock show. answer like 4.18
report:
4.42
